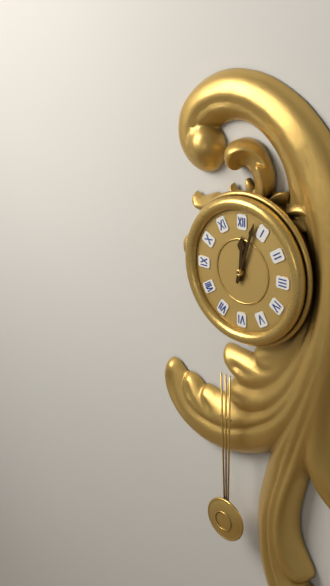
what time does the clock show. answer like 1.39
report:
12.03
